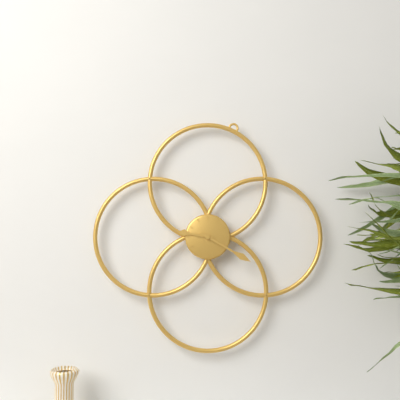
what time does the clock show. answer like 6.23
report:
9.20
